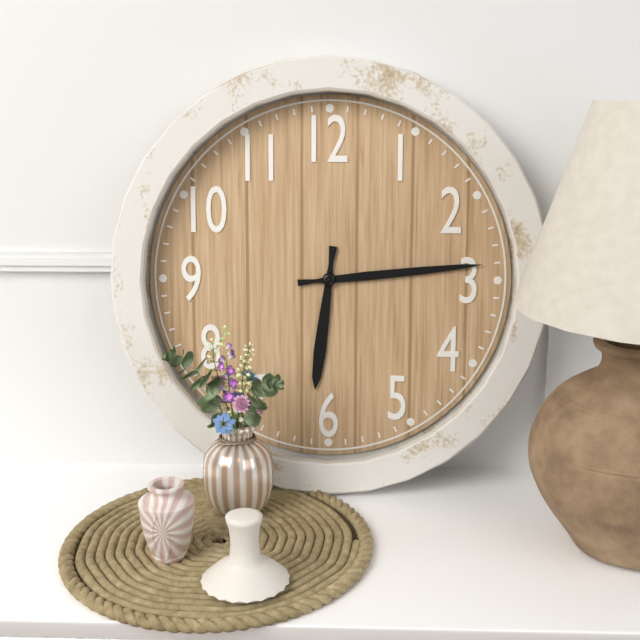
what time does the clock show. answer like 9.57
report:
6.14
